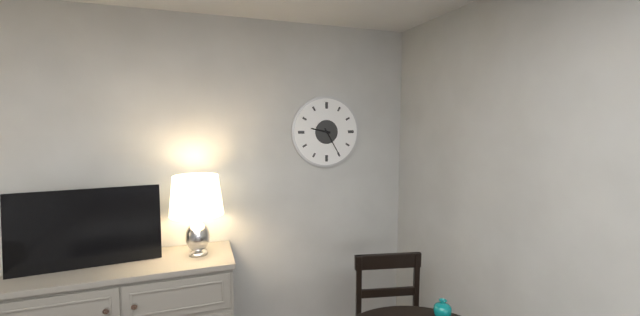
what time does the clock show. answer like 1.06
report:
9.25
